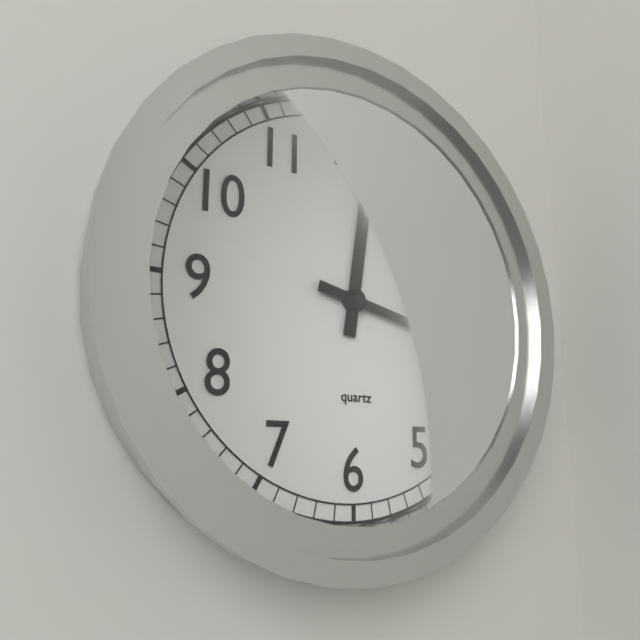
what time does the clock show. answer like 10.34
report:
12.17
